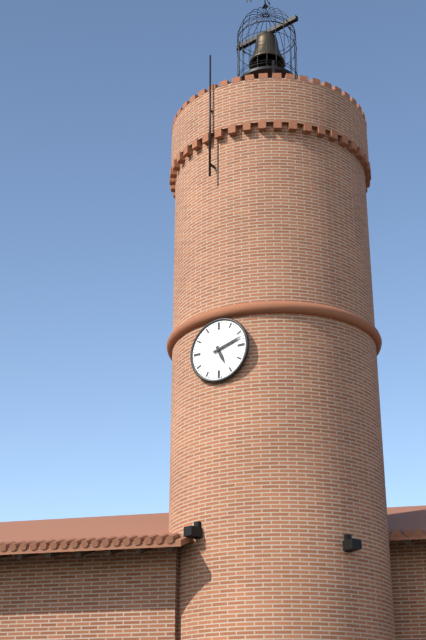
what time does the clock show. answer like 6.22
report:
5.12
